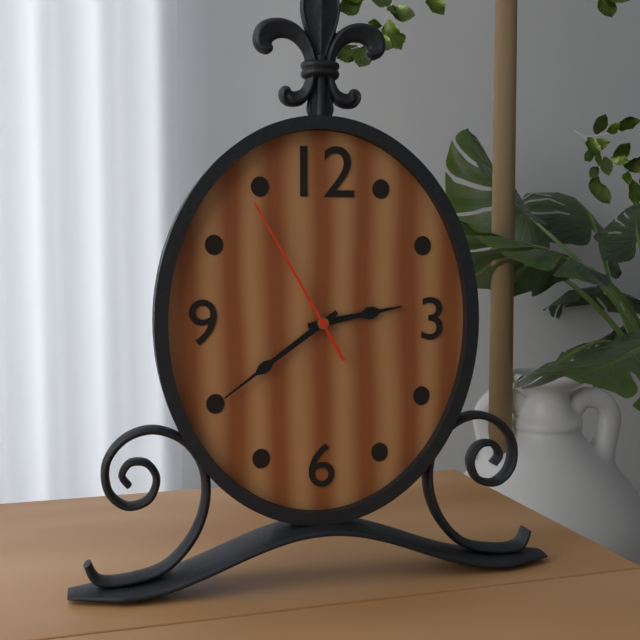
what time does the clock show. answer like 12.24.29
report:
2.39.55
